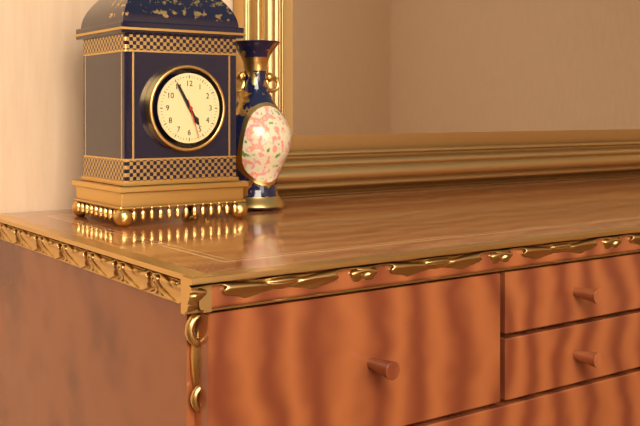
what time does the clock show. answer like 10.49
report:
4.55
